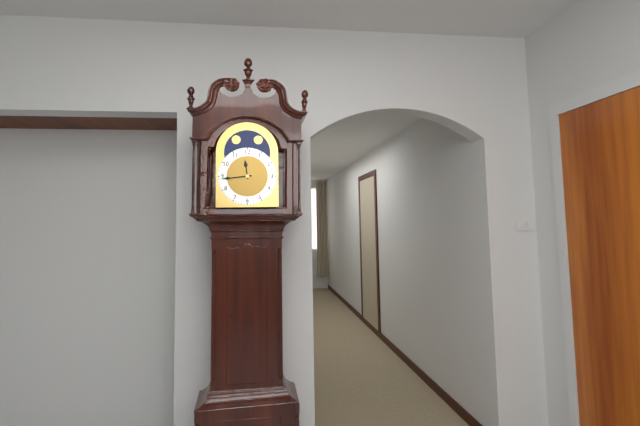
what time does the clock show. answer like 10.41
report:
11.44
